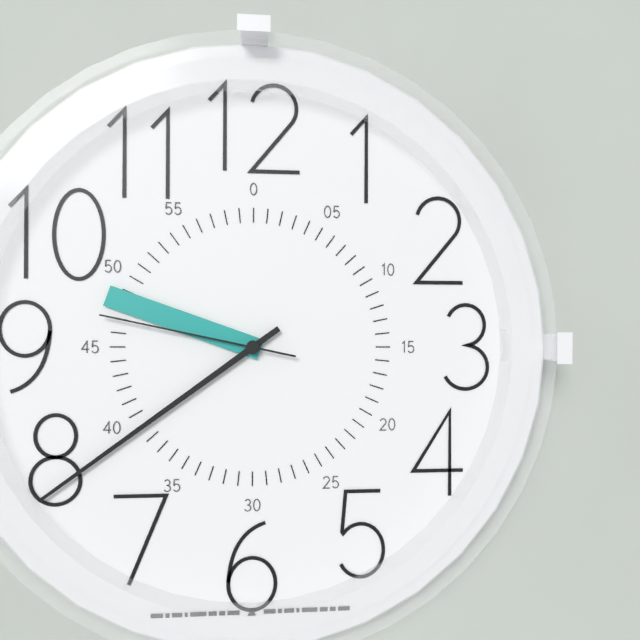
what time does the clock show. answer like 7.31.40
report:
9.39.47
